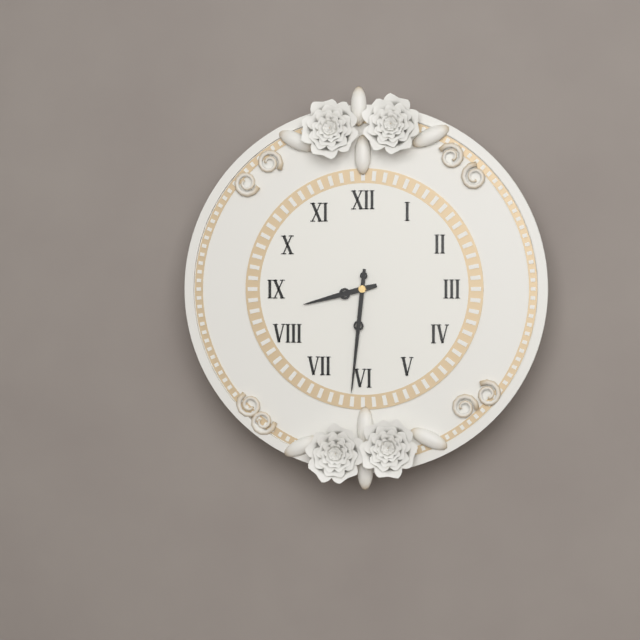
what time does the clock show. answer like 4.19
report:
8.31
